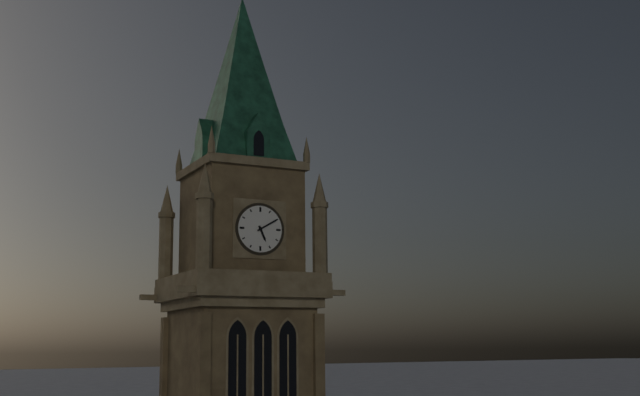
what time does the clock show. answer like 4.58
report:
5.10
